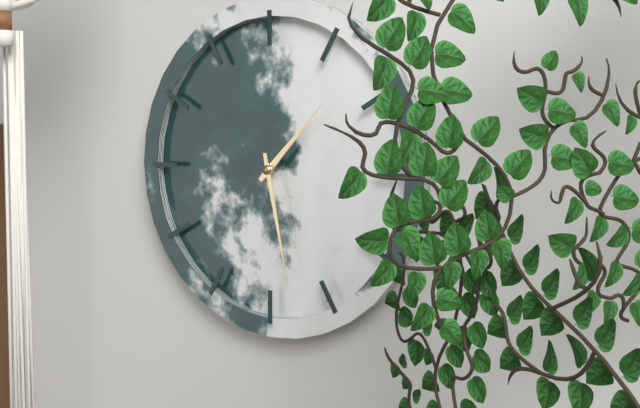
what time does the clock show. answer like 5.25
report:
1.28
